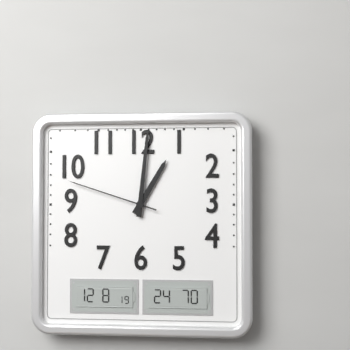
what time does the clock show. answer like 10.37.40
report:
1.01.48
